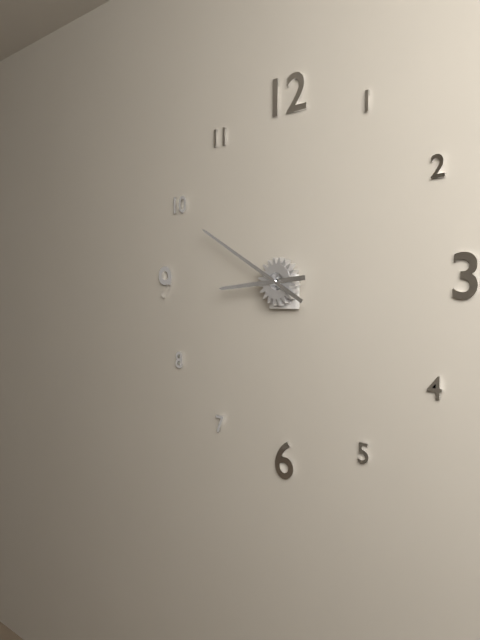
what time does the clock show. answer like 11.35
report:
8.50
